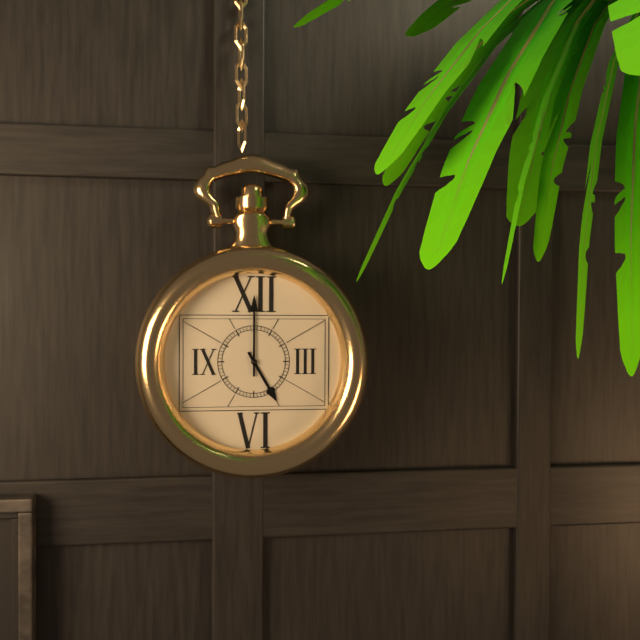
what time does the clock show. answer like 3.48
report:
5.00
